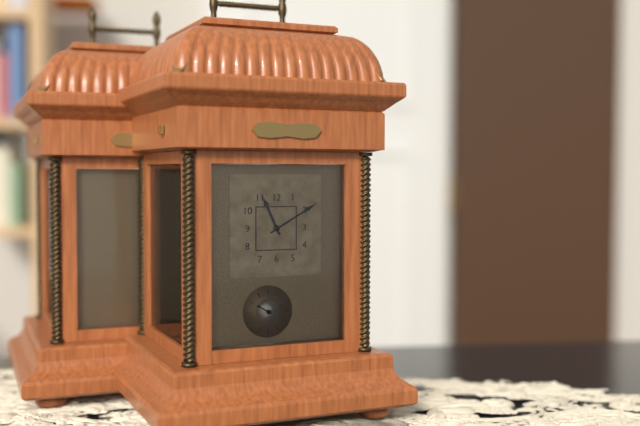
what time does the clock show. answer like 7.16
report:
11.10
